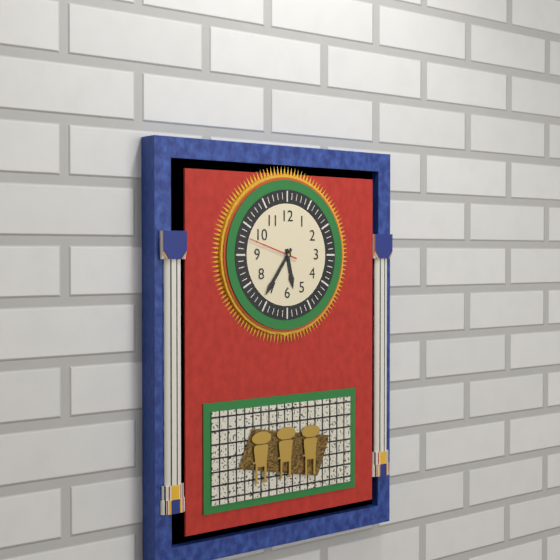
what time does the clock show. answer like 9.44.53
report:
5.36.48
